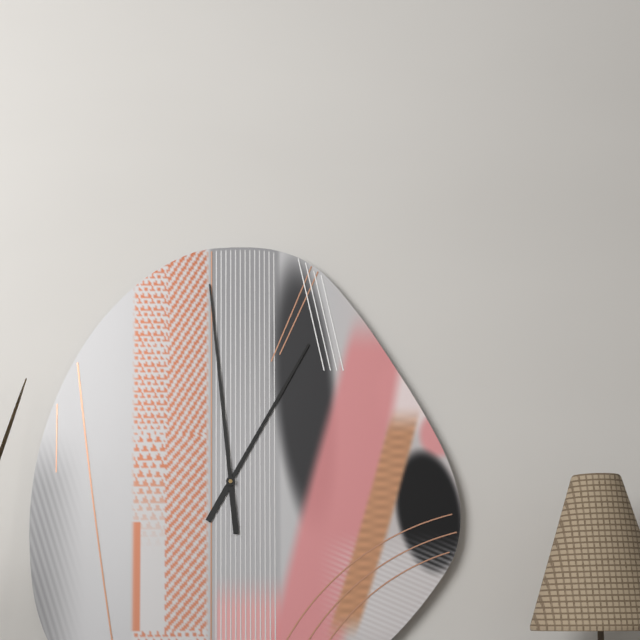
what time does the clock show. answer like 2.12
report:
12.59
